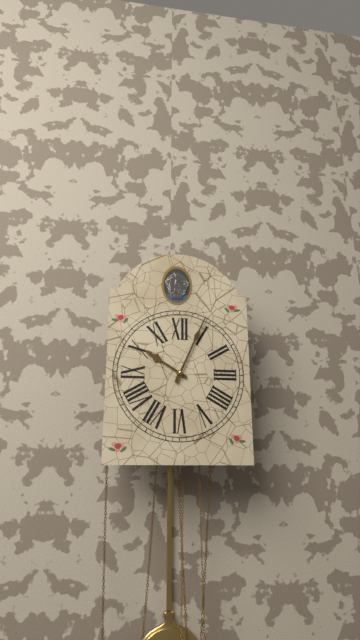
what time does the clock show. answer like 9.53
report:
10.04
